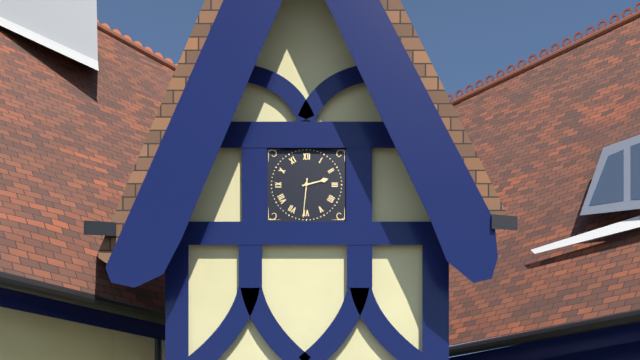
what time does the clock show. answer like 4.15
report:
2.31
